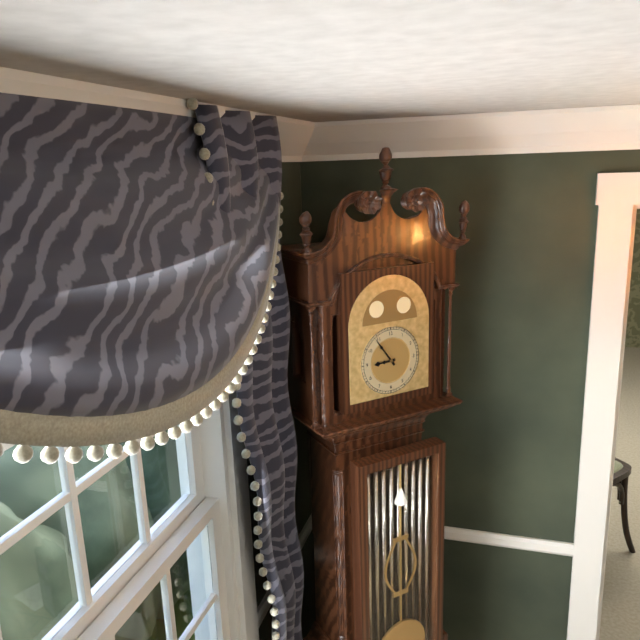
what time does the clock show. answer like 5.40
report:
8.54
